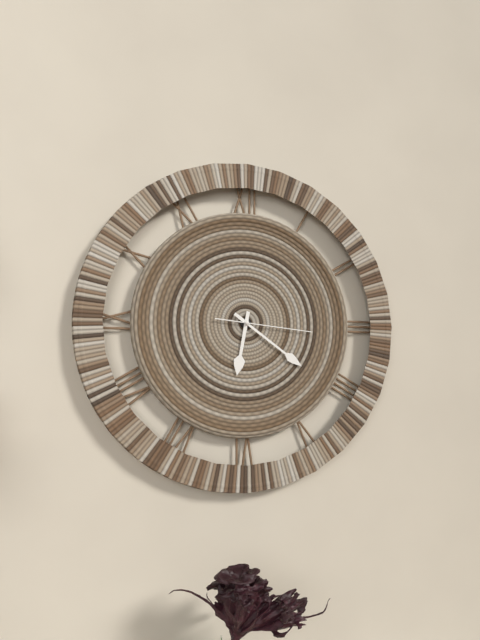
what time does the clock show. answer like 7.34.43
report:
6.21.16
